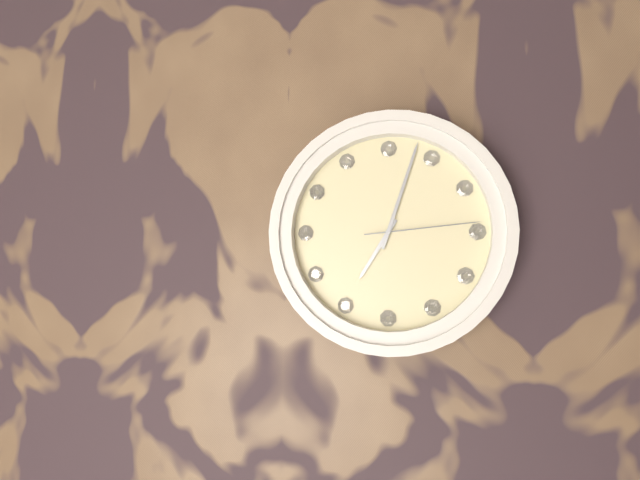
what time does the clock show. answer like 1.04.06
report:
7.03.14
